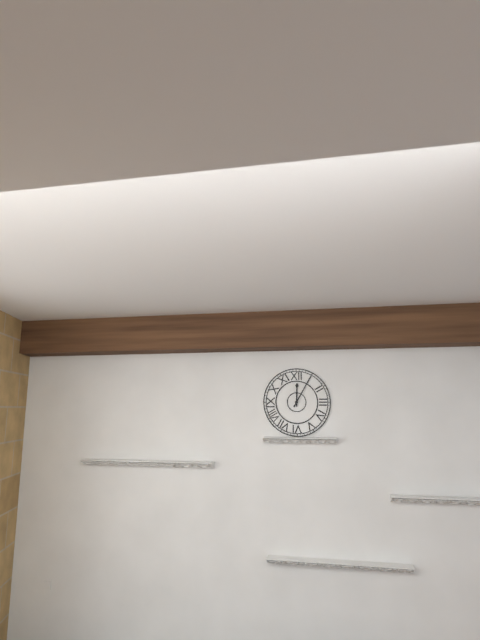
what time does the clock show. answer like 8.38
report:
12.05
